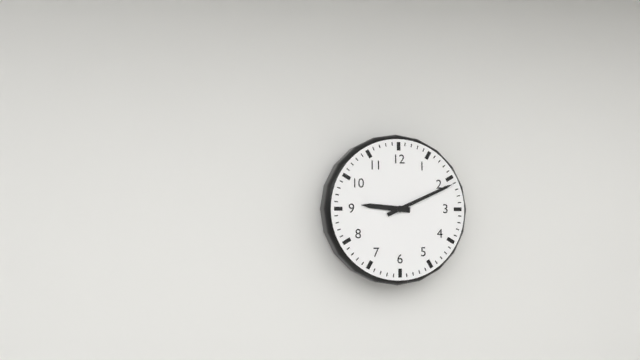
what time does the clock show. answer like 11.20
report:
9.11
